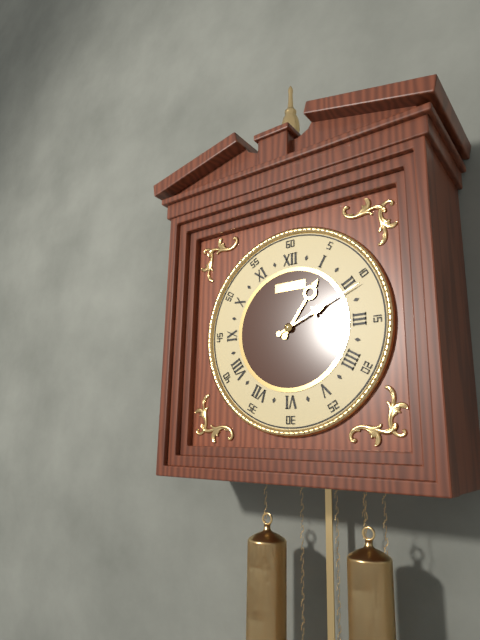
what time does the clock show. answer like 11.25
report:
1.11
